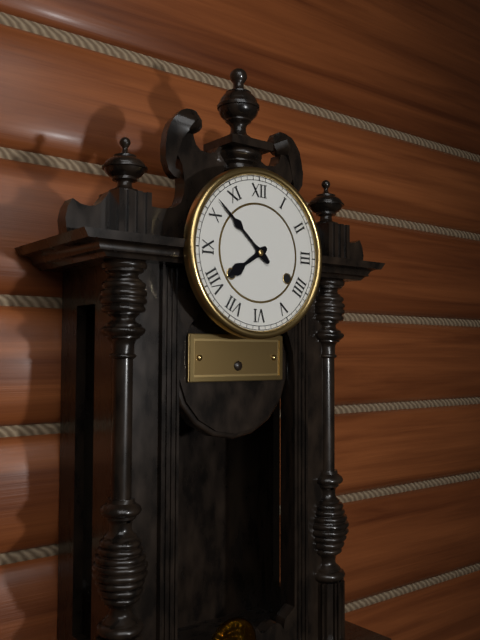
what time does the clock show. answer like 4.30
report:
7.52
